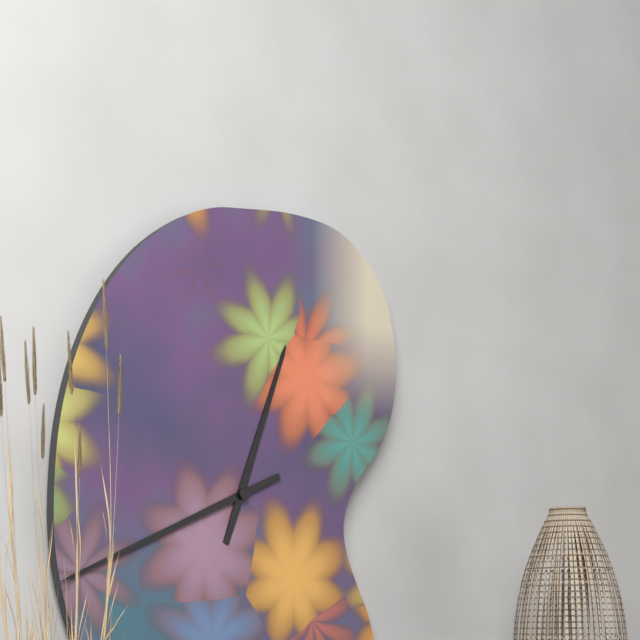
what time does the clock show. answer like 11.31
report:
12.41
